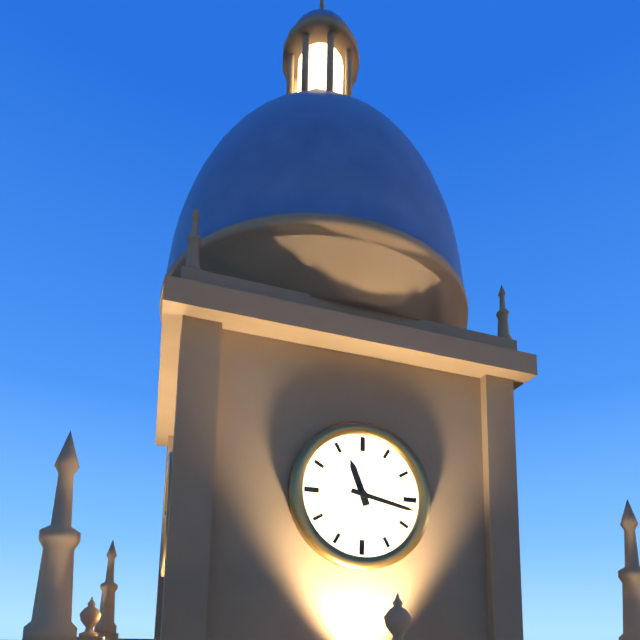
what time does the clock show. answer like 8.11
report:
11.17
